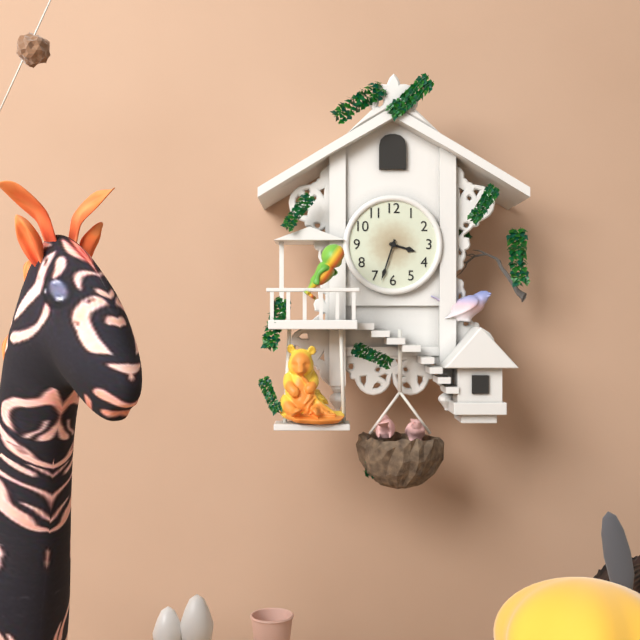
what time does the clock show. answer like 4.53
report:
3.33
